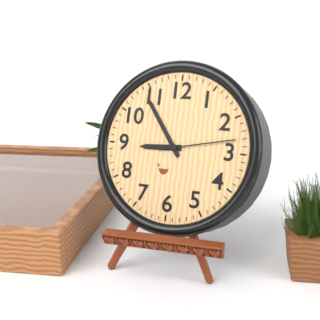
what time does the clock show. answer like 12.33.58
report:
8.54.13
